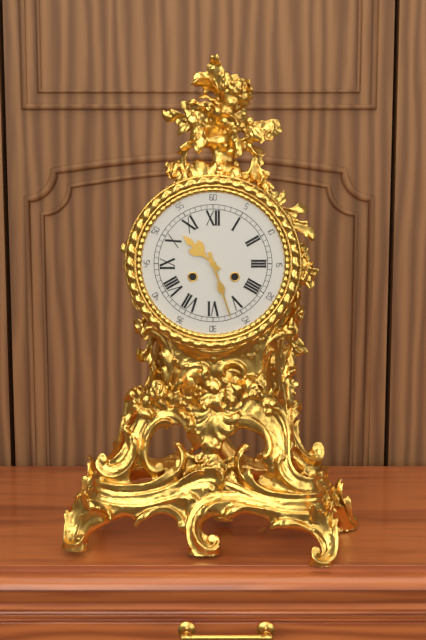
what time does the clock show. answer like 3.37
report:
10.27
